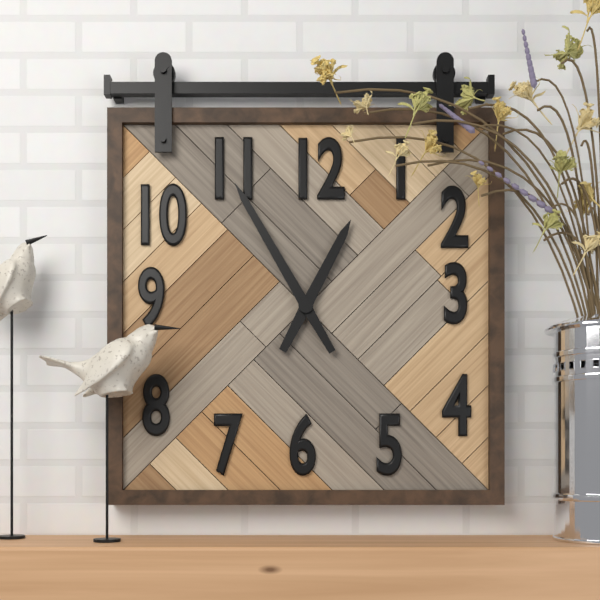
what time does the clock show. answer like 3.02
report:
12.55
